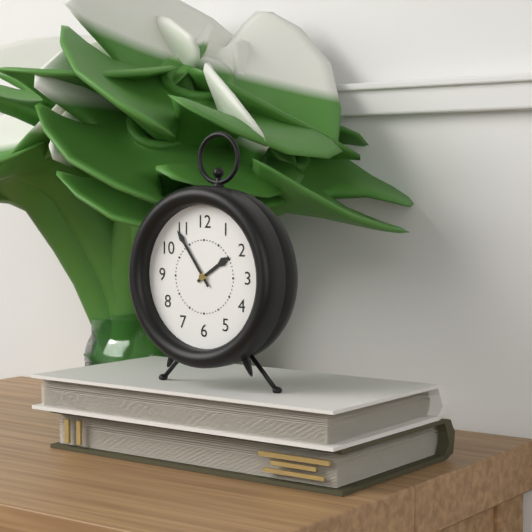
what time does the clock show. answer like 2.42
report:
1.54
